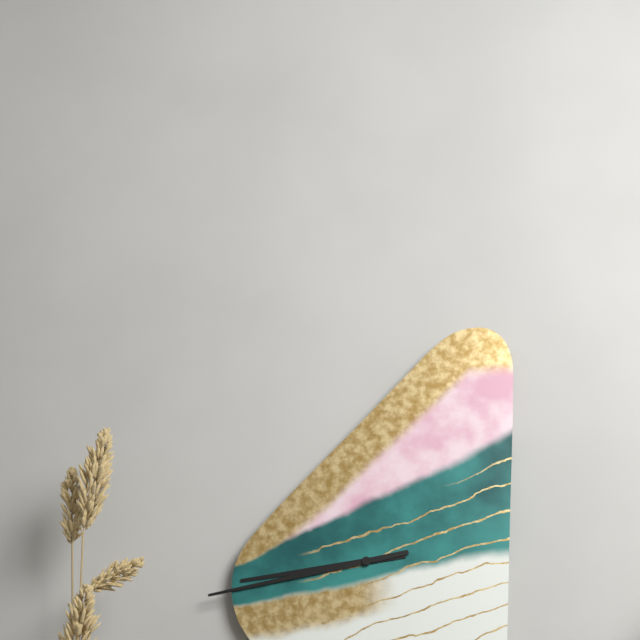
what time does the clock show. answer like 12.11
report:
8.43
